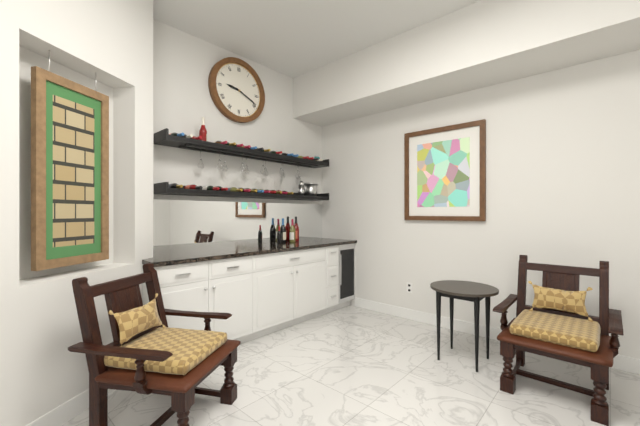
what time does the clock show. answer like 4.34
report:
9.19
